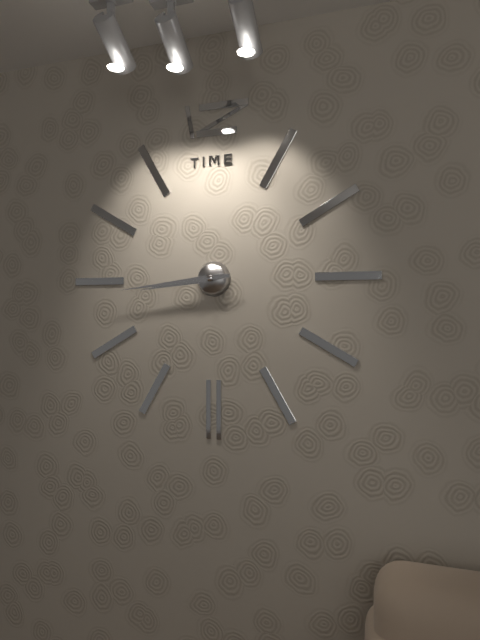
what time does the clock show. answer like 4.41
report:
8.44
